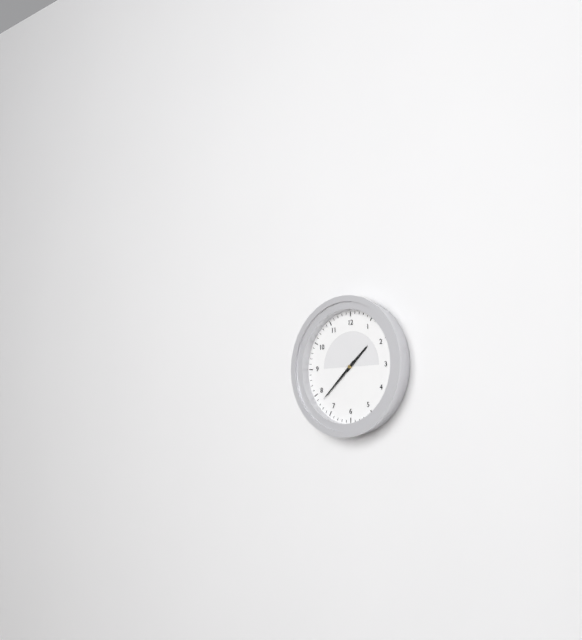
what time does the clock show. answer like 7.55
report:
1.38
